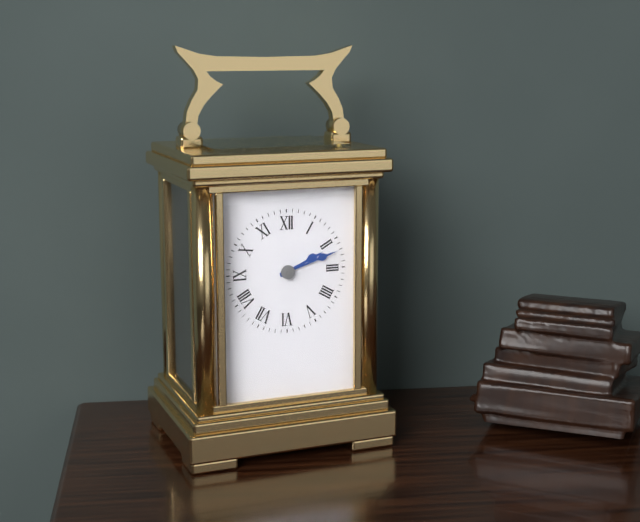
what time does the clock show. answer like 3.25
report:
2.12
